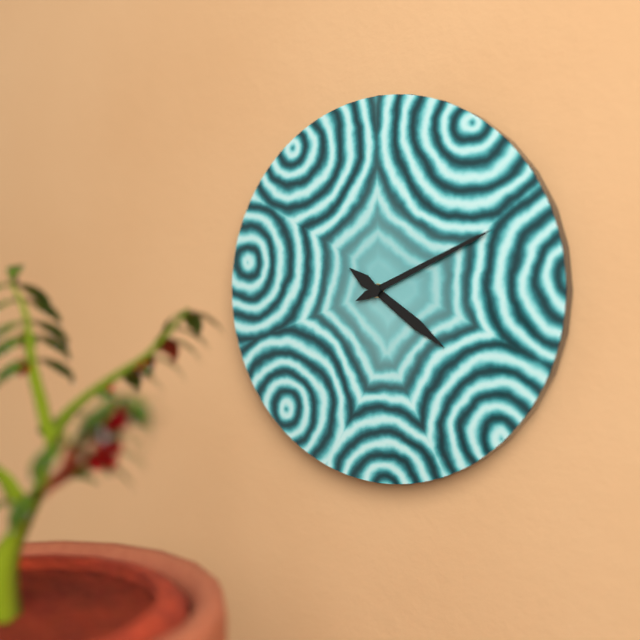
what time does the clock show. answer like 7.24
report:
4.11
